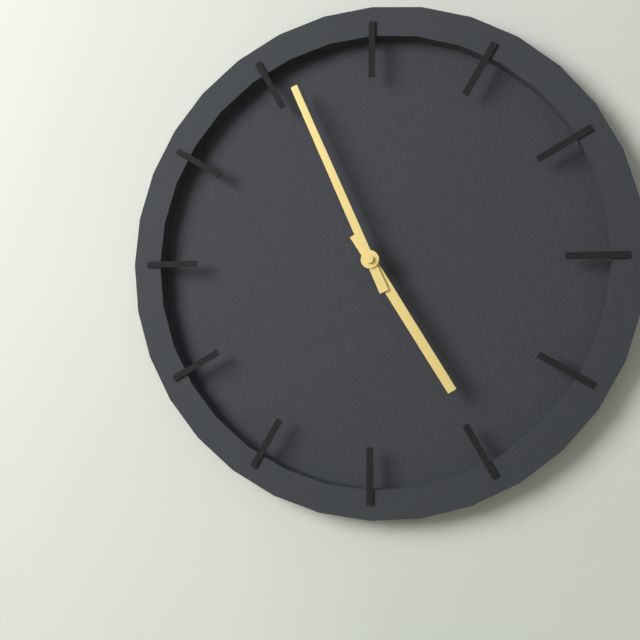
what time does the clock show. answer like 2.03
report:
4.56
